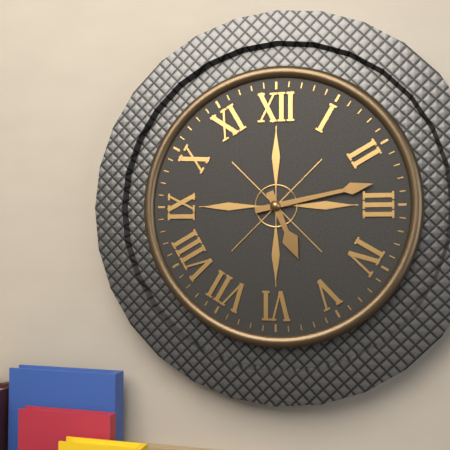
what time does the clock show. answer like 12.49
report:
5.13
